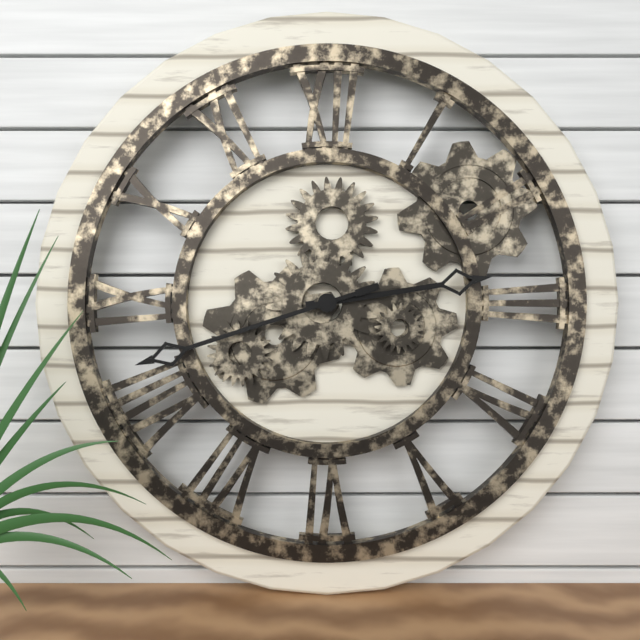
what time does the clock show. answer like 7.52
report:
2.42
